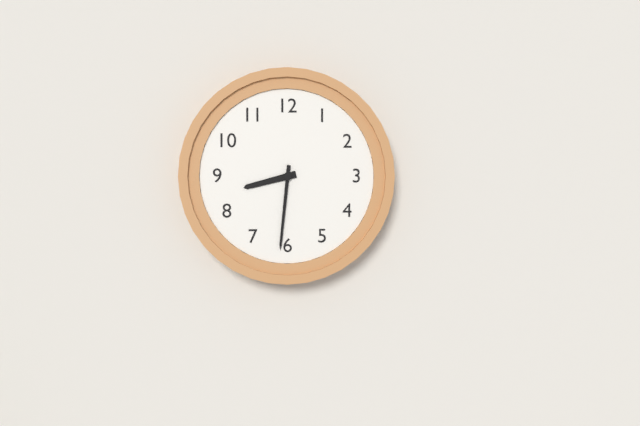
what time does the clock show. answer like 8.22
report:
8.31
